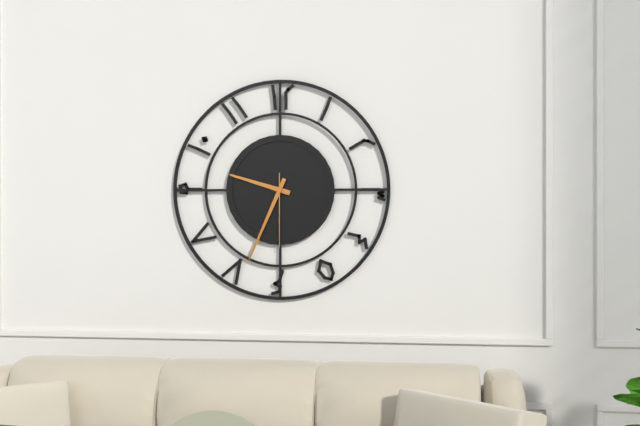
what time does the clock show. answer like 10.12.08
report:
9.34.30
